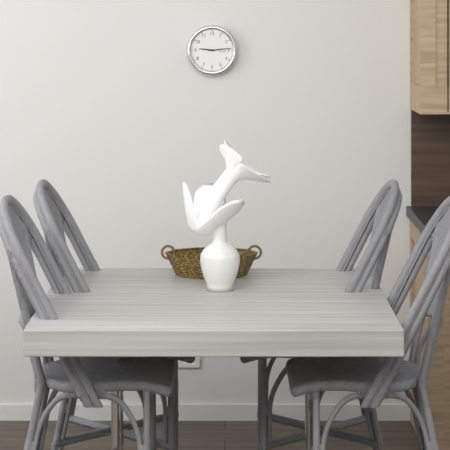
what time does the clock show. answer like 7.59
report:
9.14
